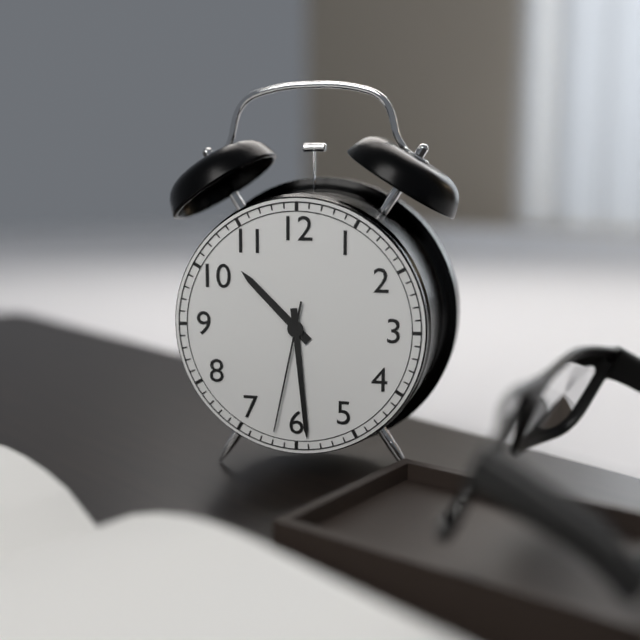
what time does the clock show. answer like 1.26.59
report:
10.29.32
